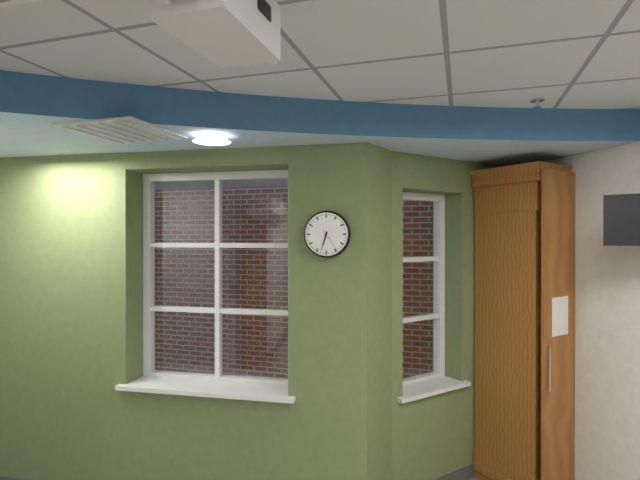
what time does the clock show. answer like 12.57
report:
6.33
